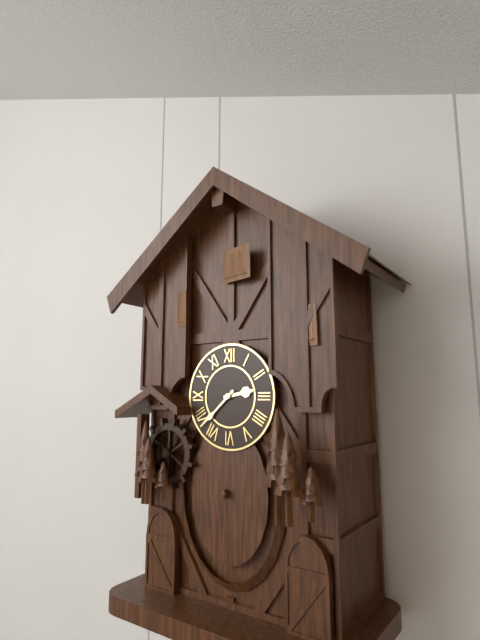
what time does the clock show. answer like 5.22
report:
2.38
